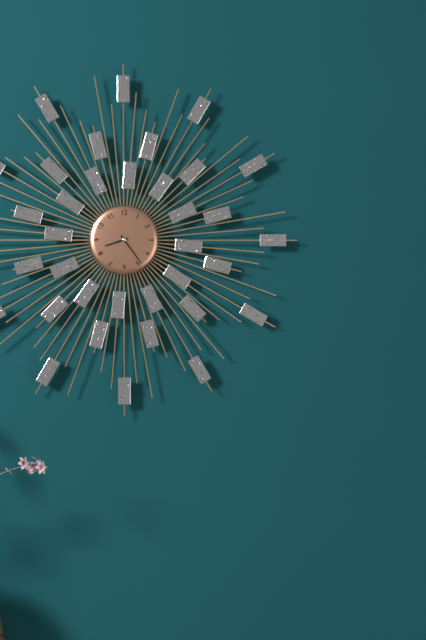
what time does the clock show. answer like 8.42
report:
8.24
